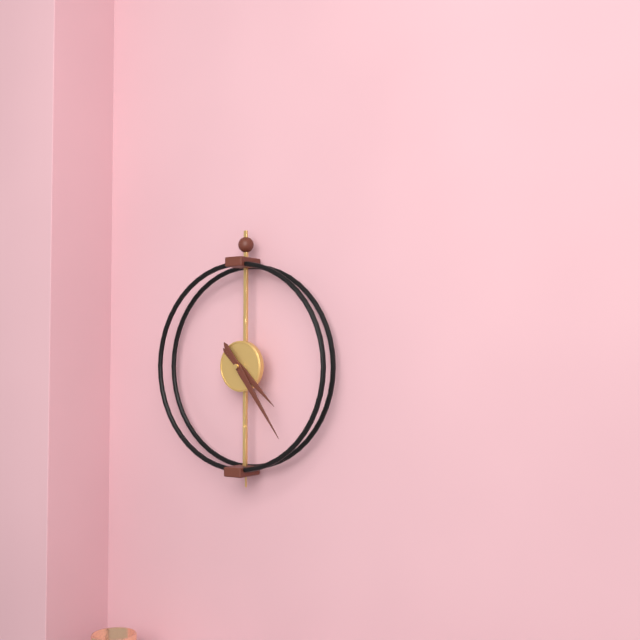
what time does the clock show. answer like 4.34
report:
4.24
